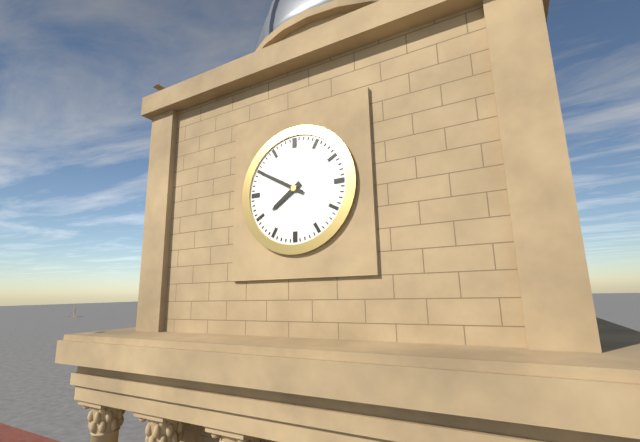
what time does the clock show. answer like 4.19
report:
7.50
